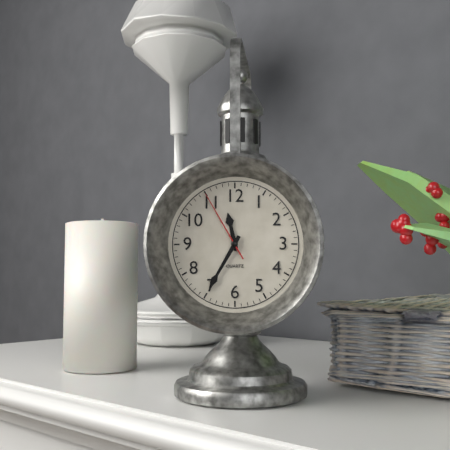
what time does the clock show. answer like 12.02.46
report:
11.35.55
